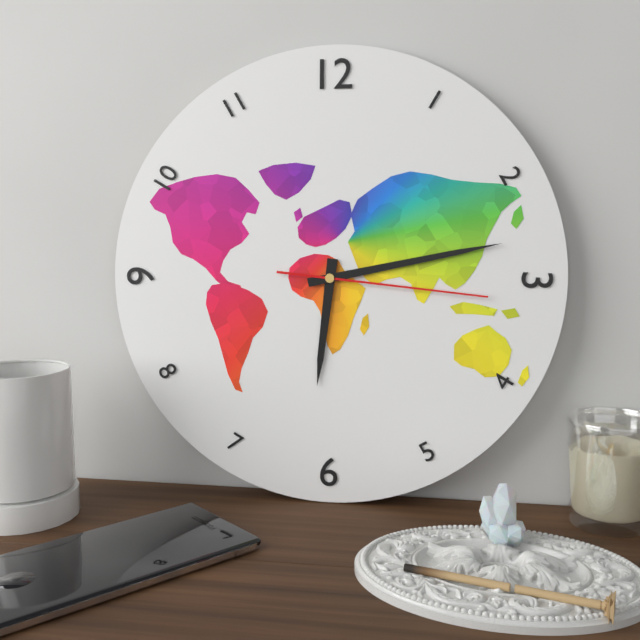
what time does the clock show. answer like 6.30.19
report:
6.13.16
